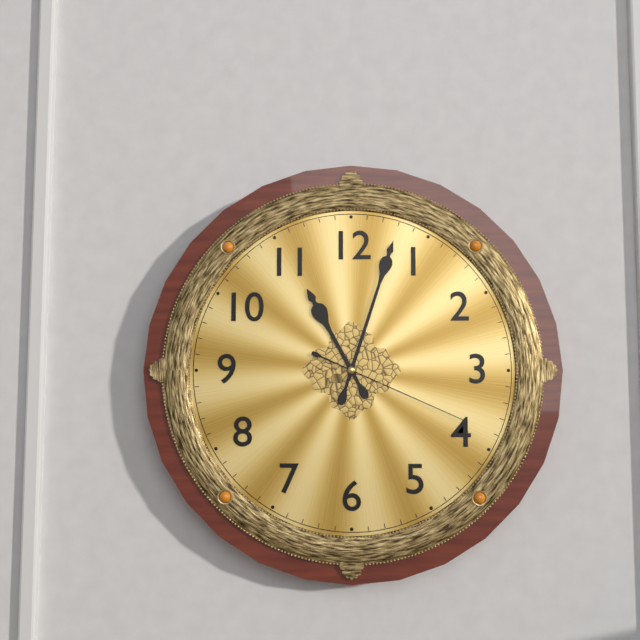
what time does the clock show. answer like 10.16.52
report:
11.03.19
